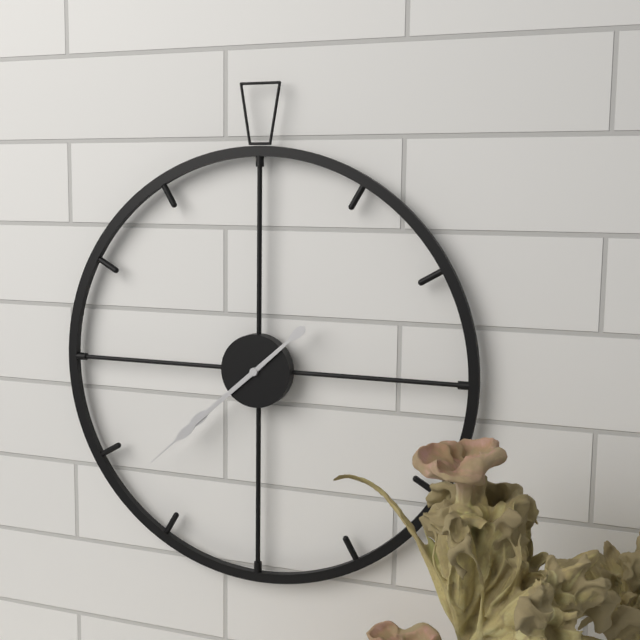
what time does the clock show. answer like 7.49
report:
7.38
